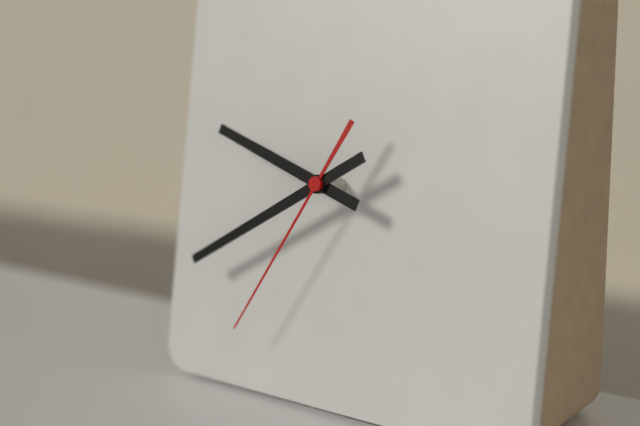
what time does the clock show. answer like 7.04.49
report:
9.40.35
